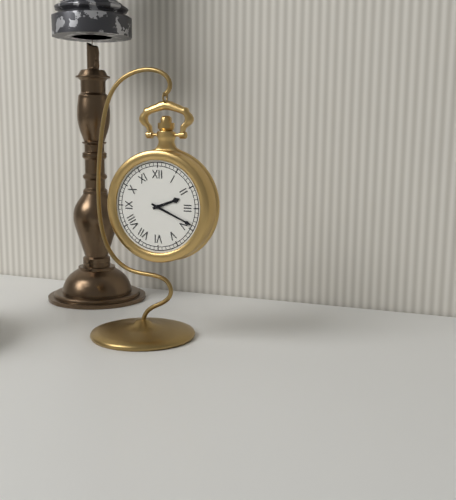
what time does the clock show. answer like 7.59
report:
2.19
